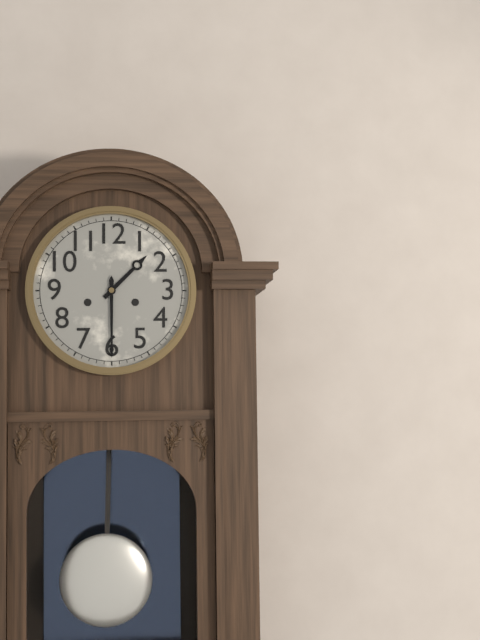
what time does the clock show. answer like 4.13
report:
1.30
